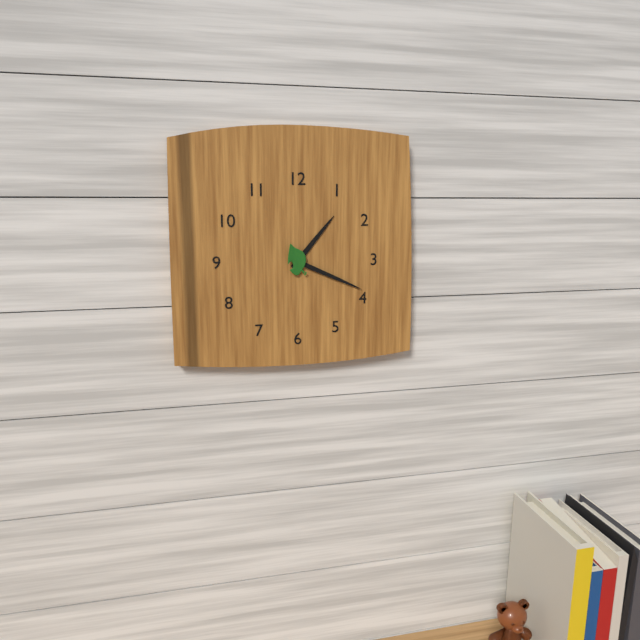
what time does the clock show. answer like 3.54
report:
1.19
